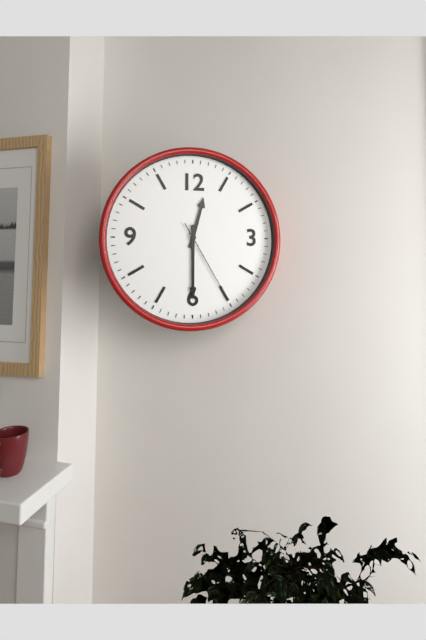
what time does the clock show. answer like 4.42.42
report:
12.30.25
